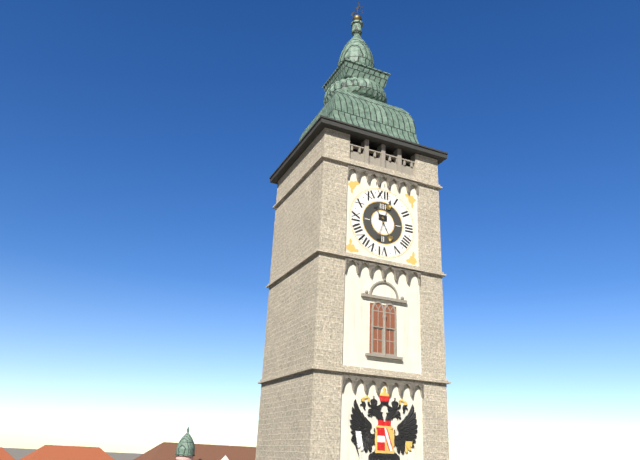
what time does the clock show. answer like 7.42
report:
5.03
